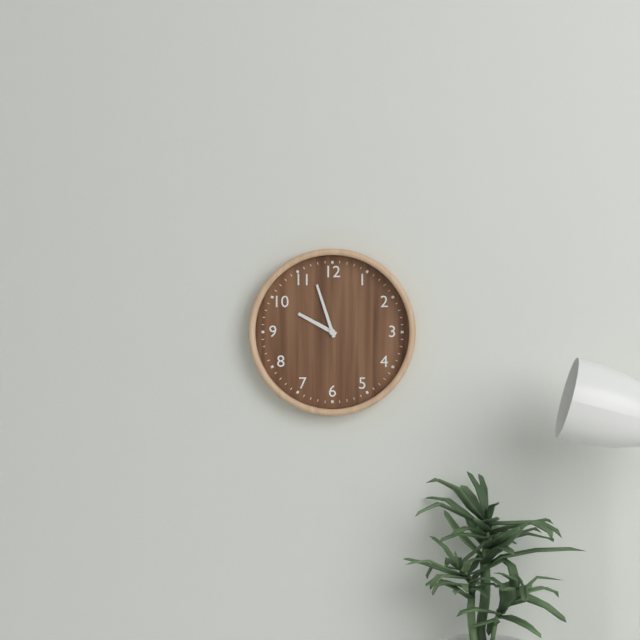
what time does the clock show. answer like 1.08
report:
9.57
